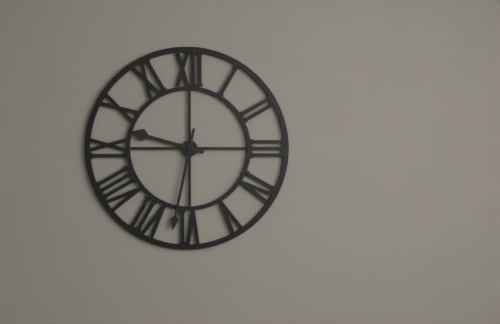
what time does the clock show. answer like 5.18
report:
9.32
